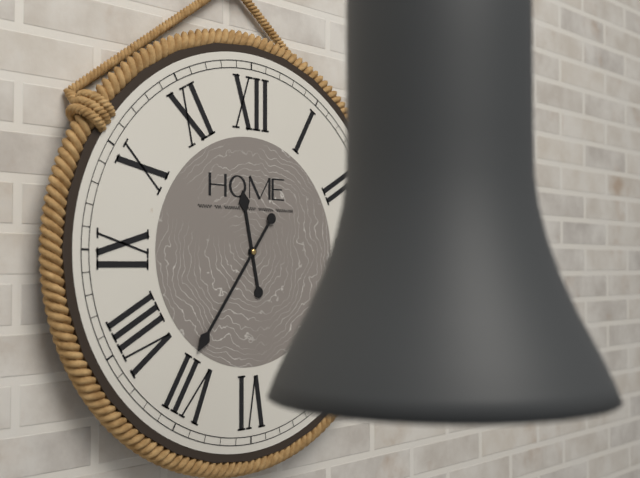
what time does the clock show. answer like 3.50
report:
11.36
